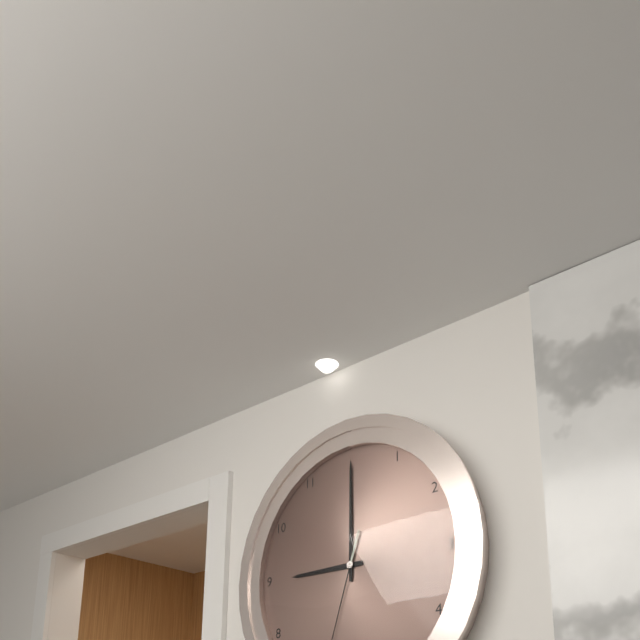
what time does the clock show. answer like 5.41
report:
9.00
